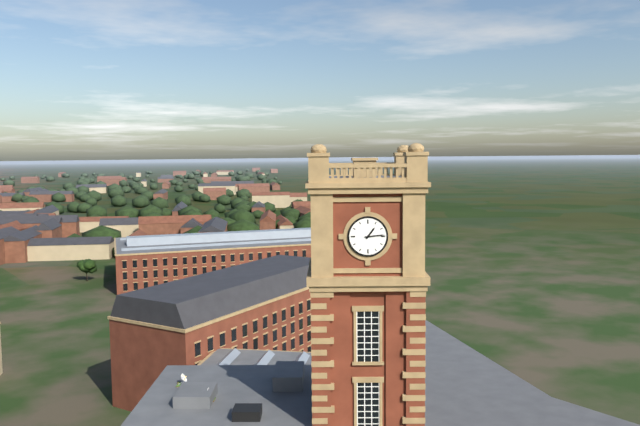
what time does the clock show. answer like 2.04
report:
1.14
